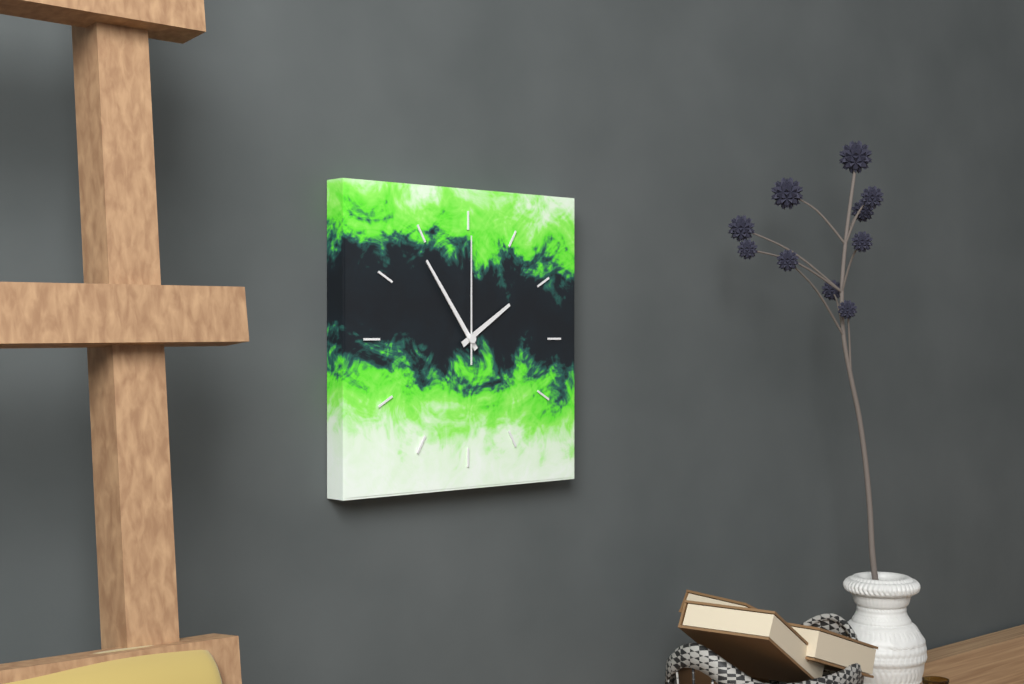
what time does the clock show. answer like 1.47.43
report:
1.54.00
